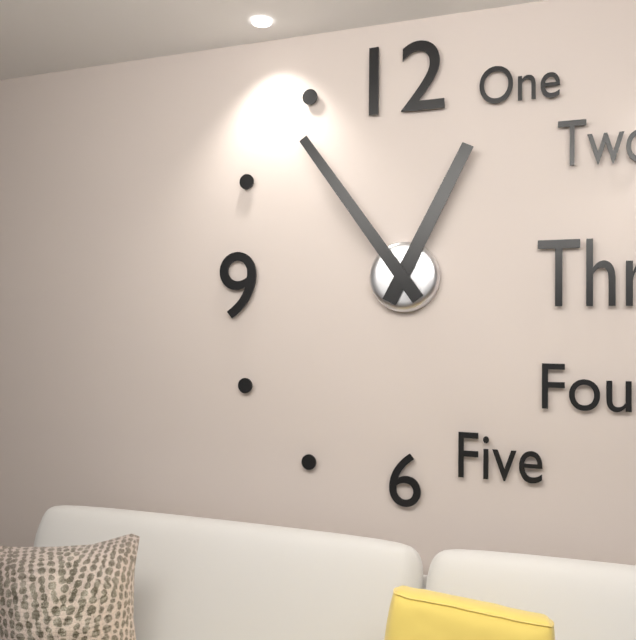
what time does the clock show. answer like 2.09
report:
12.54
